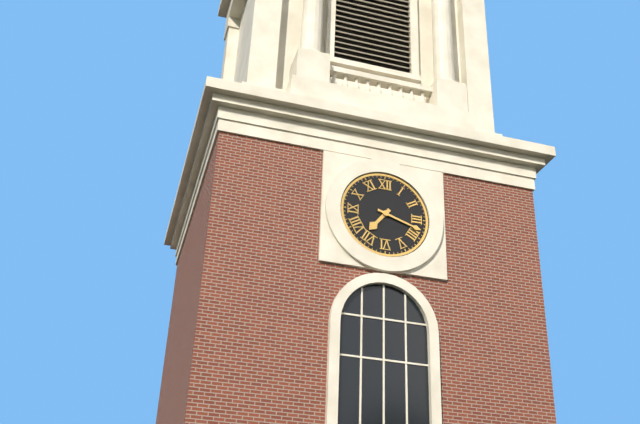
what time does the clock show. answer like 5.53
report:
7.18
